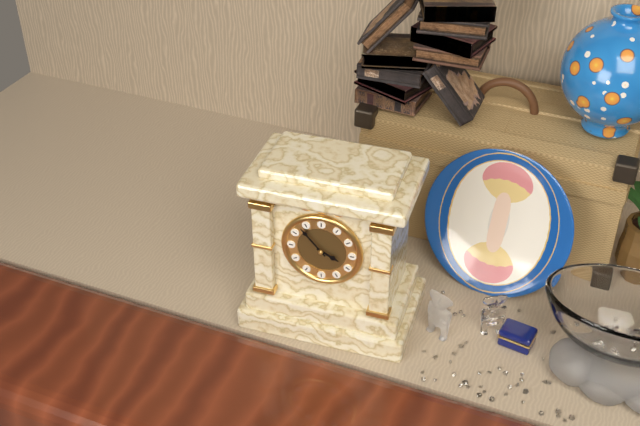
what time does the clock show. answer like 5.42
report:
3.53
